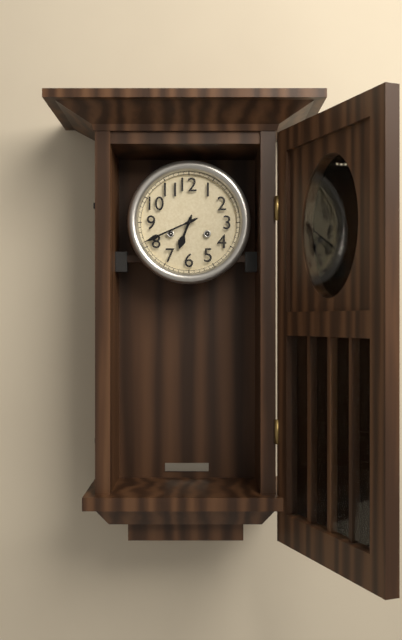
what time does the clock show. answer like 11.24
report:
6.41
